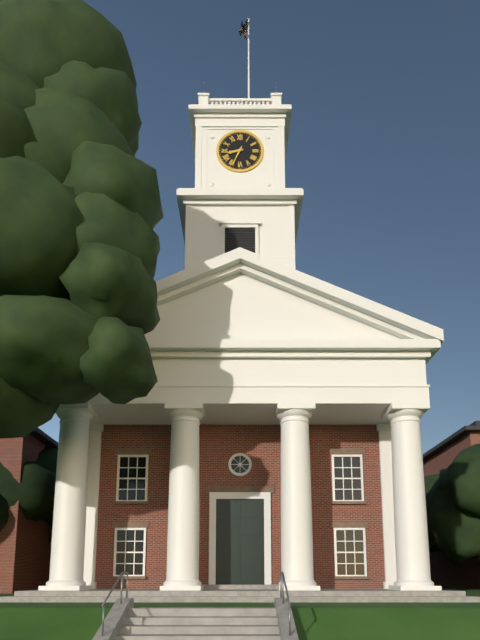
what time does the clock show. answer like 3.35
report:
8.34
